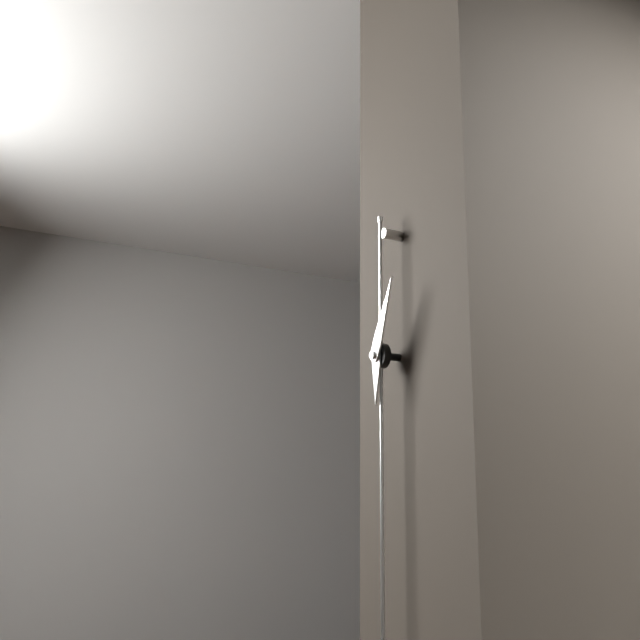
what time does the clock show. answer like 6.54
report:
6.04
